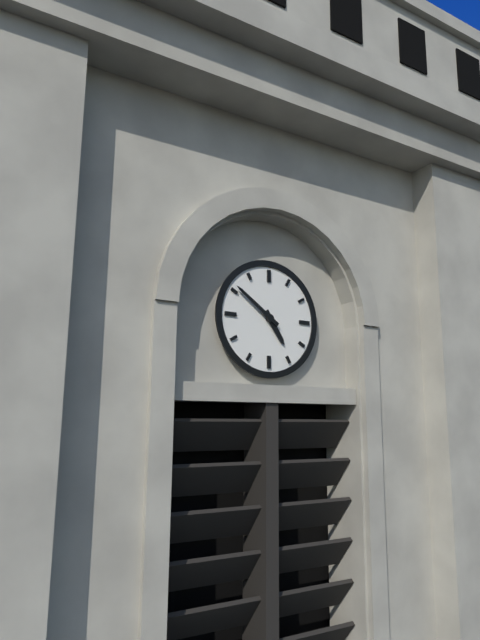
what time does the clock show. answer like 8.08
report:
4.51
